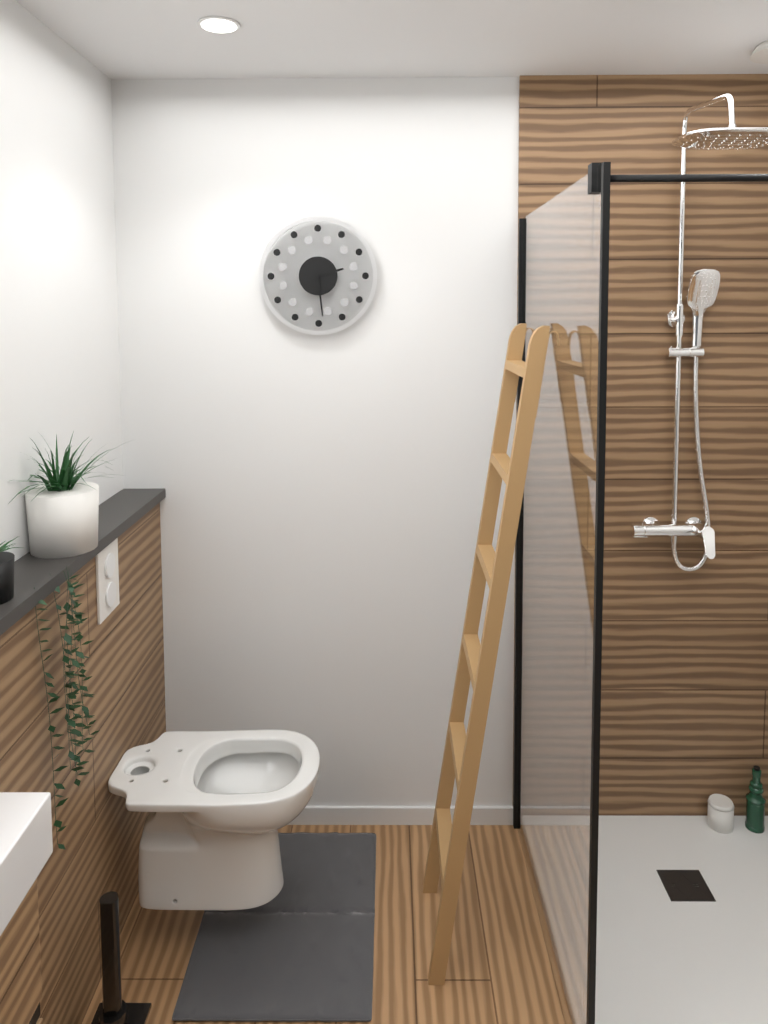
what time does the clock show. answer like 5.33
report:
2.29
